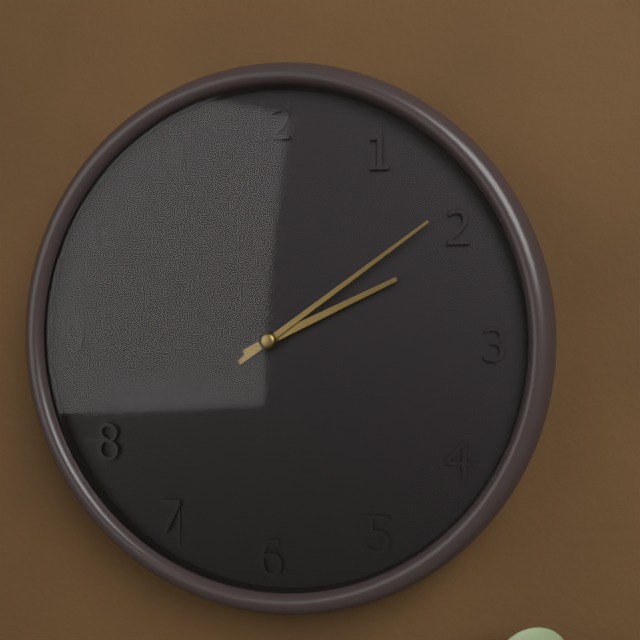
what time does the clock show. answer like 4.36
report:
2.09
